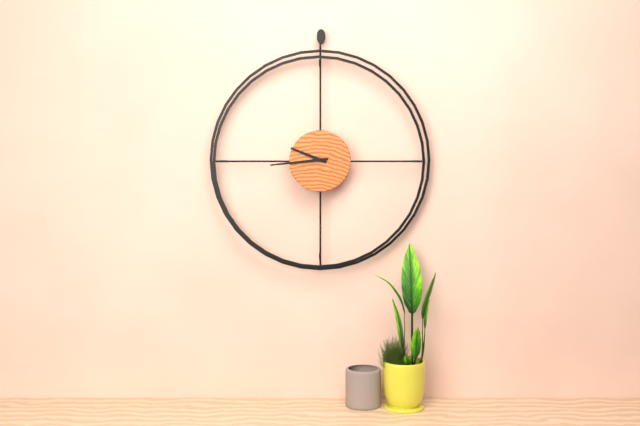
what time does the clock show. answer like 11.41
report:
9.44
